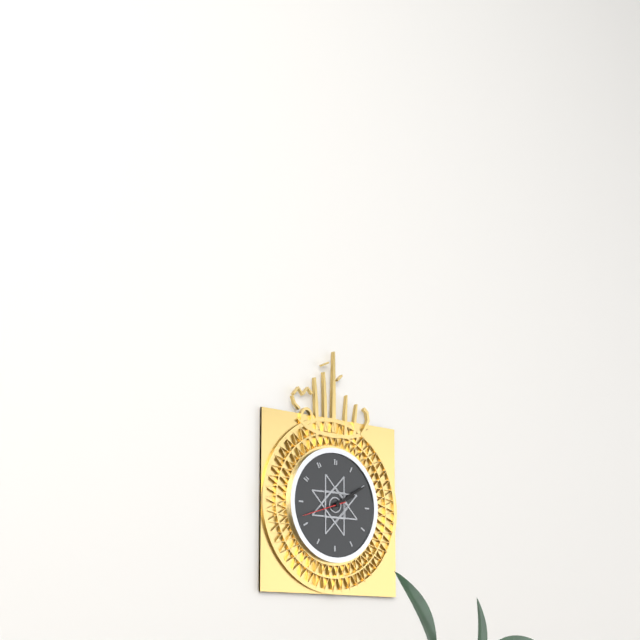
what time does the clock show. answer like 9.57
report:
2.10
